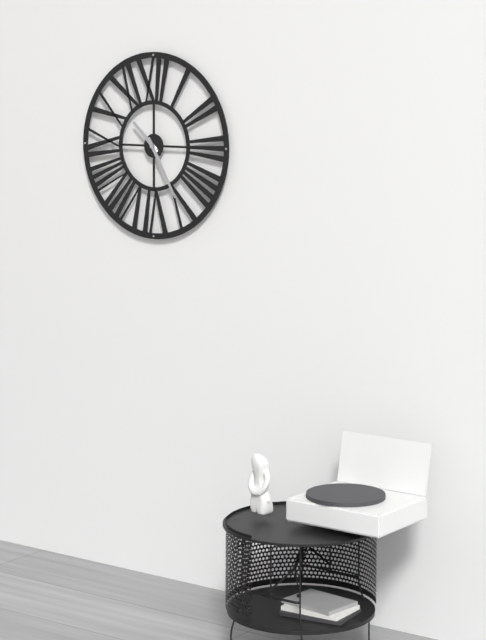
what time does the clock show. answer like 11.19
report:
10.25
